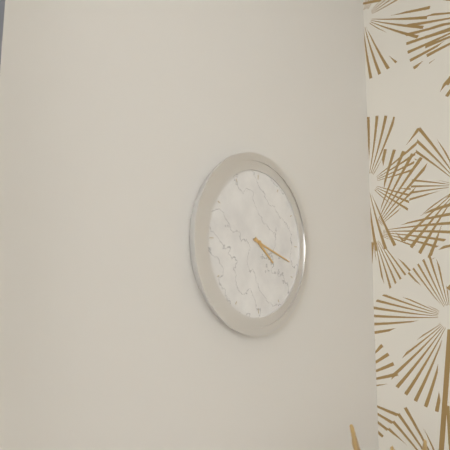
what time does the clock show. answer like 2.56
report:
4.18
